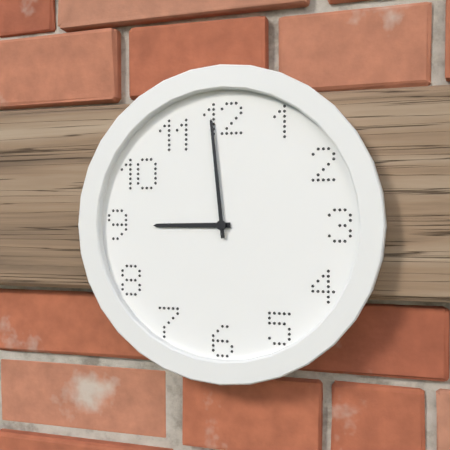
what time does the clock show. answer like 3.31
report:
8.59
